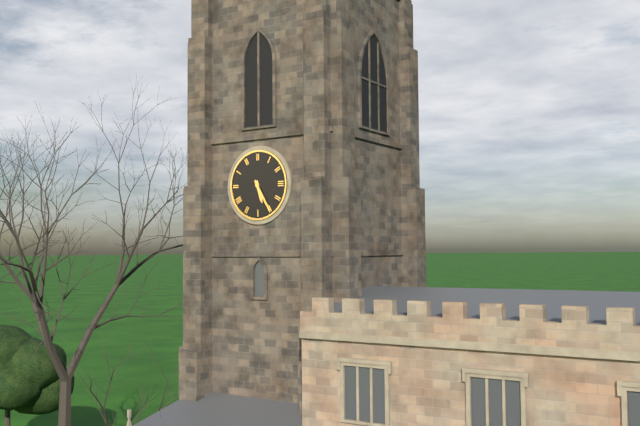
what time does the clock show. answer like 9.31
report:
5.25
